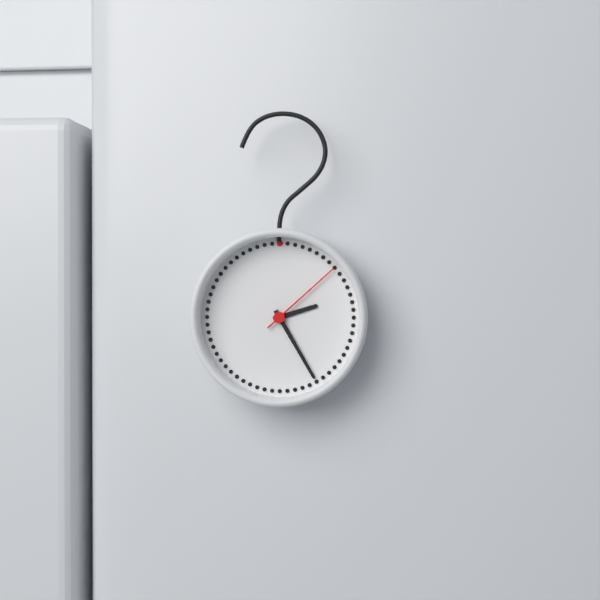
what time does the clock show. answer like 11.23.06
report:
2.25.08
